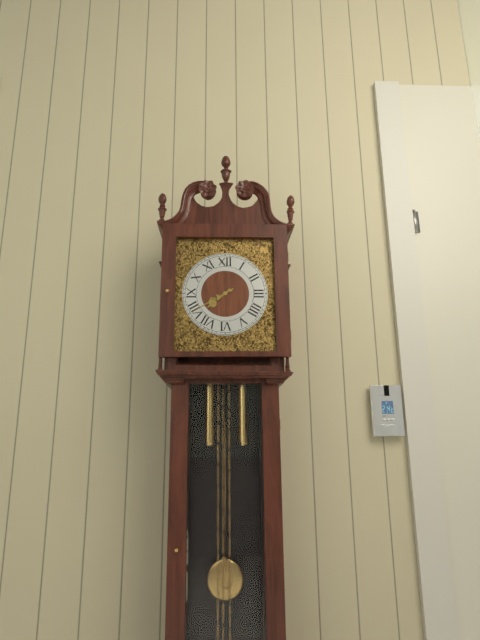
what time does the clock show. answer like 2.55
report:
7.40
